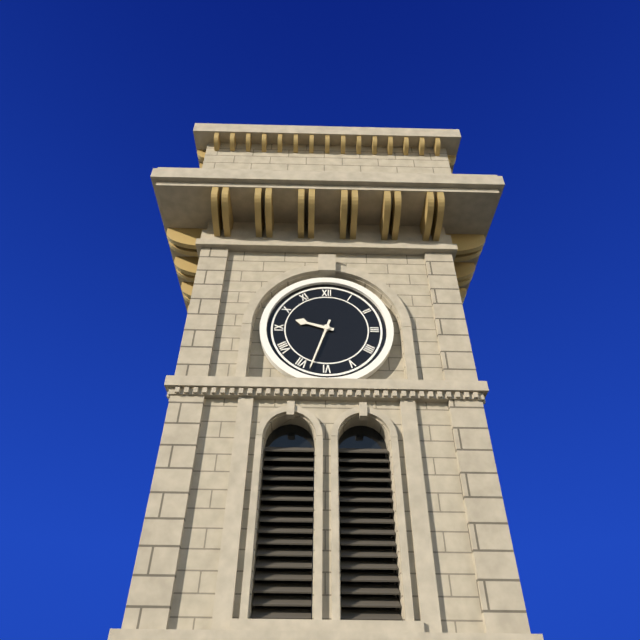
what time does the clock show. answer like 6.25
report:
9.33
